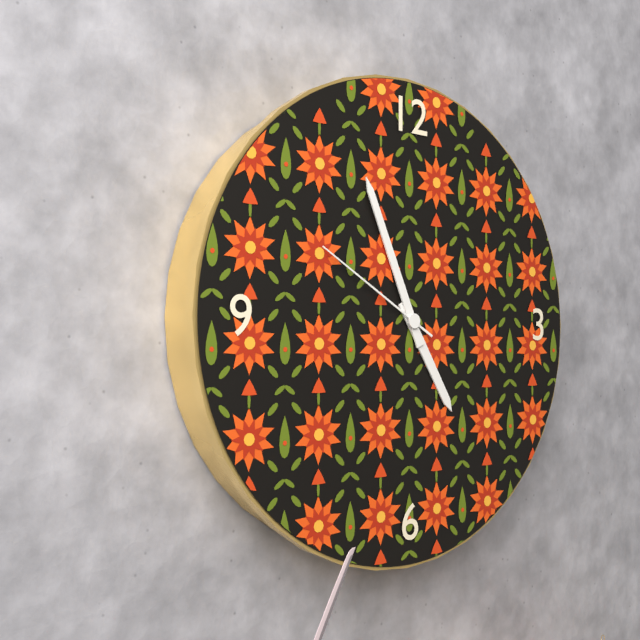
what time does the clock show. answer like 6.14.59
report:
4.56.50
